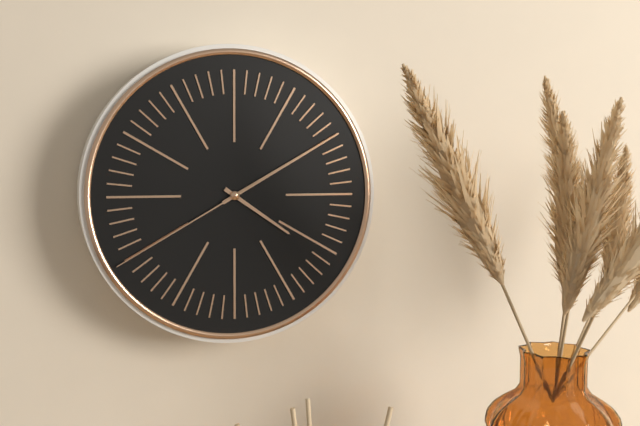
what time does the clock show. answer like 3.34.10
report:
4.10.40
